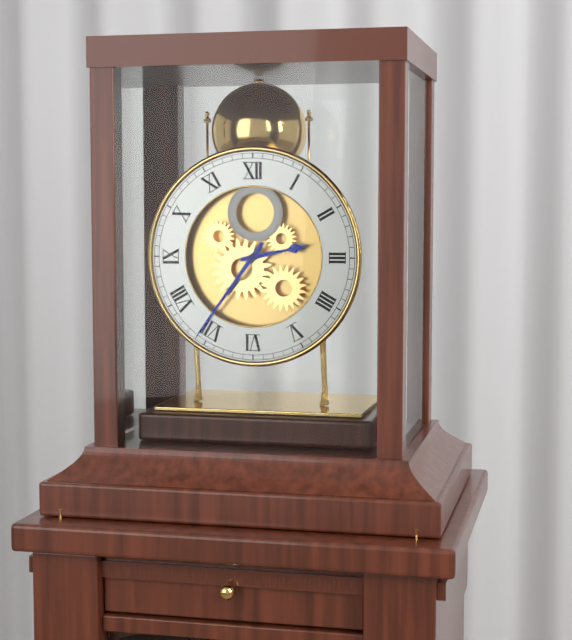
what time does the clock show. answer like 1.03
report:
2.36
